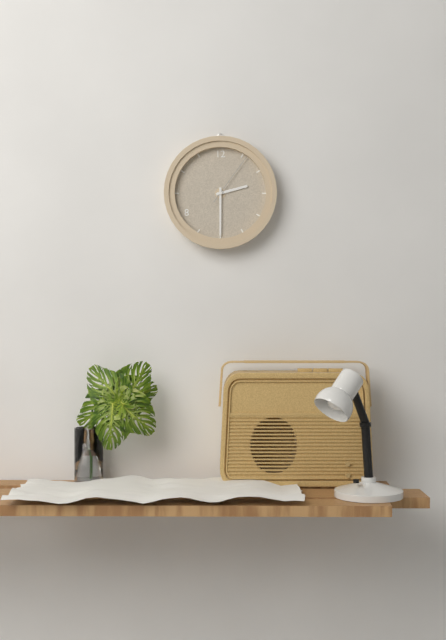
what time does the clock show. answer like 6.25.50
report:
2.30.06
